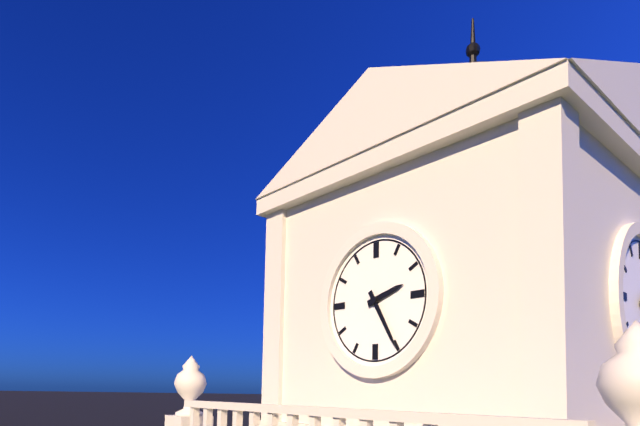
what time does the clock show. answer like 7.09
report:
2.25
